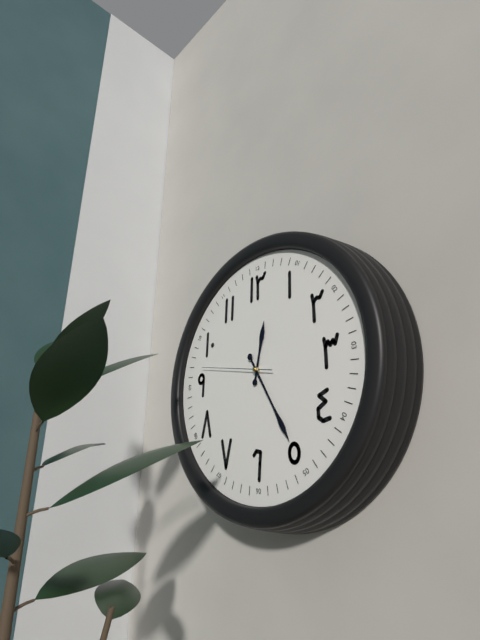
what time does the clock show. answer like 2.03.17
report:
12.25.47
